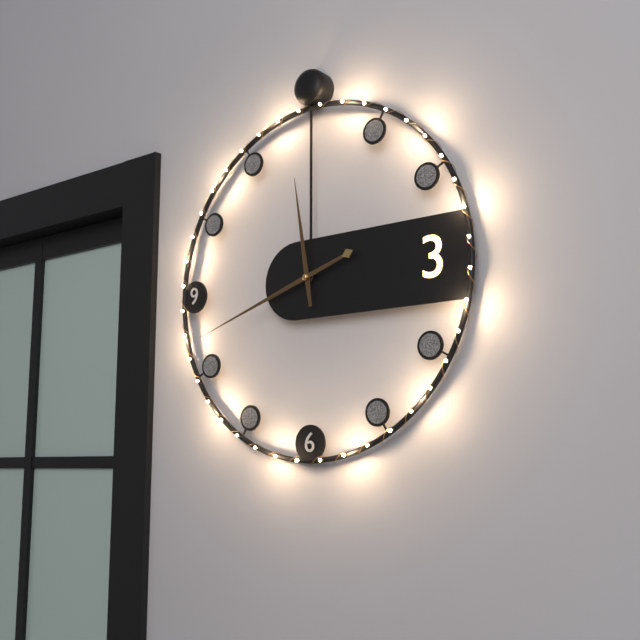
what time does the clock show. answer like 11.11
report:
11.42
